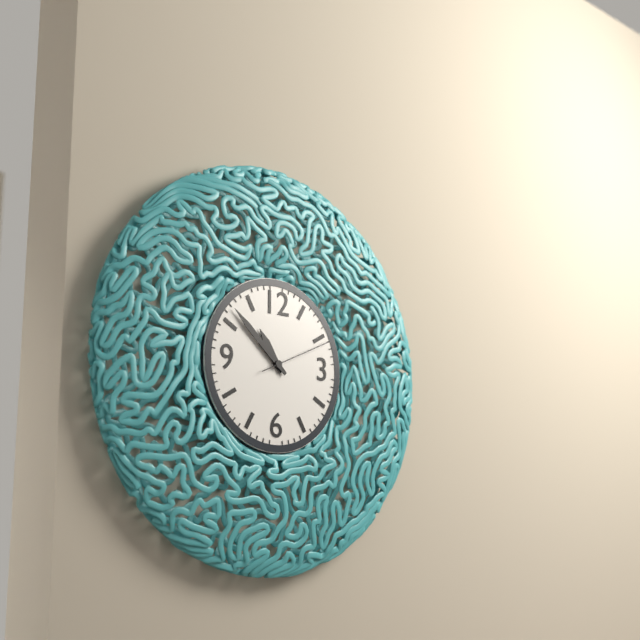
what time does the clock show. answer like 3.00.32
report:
10.52.11
